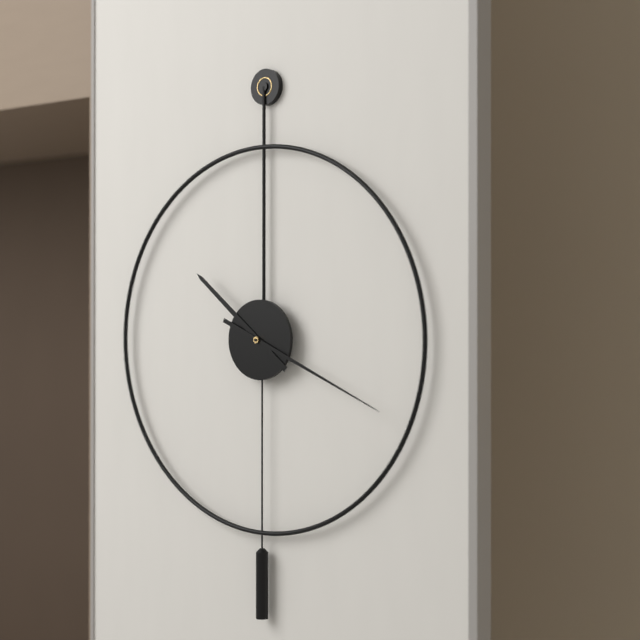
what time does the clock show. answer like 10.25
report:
10.19
